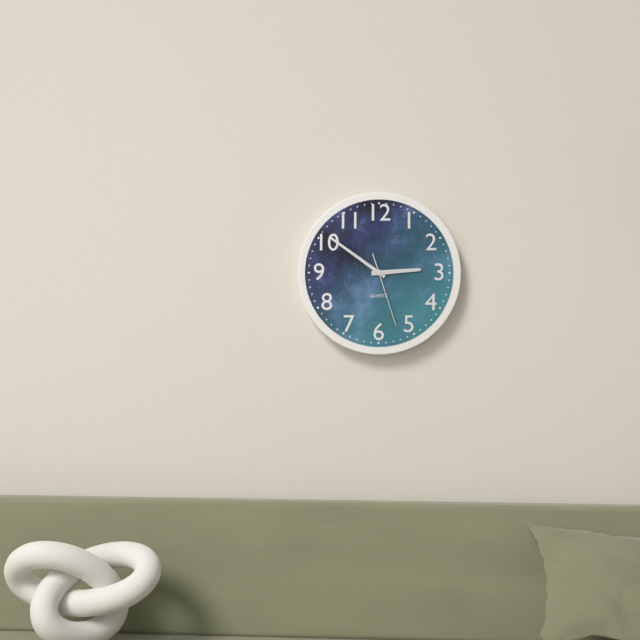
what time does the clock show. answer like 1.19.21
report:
2.51.27
